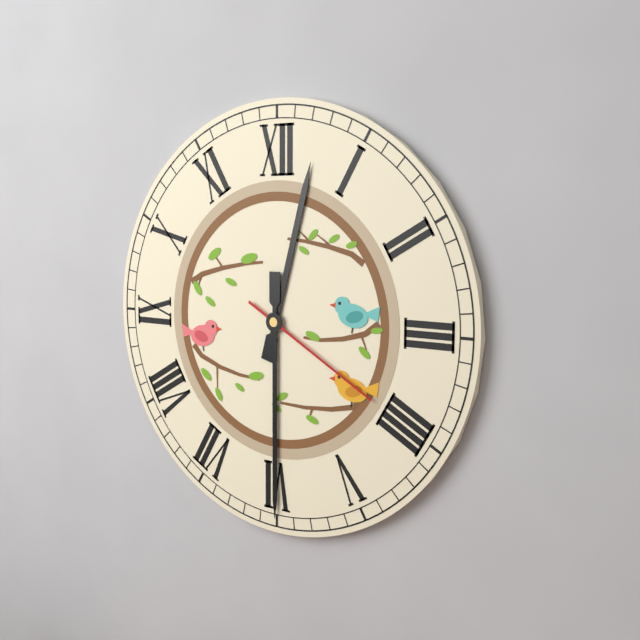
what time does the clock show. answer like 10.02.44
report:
12.30.20
